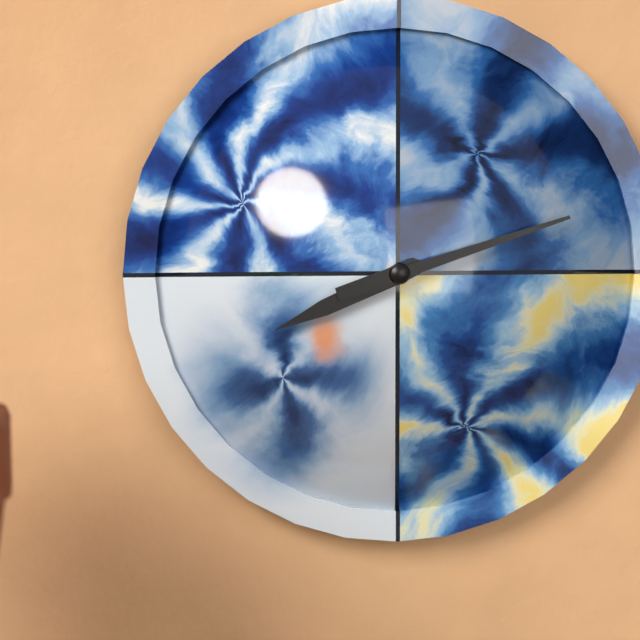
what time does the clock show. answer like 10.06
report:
8.12
